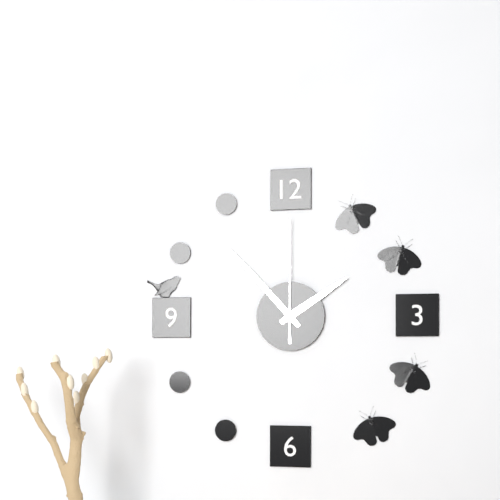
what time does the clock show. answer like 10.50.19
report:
1.53.00
